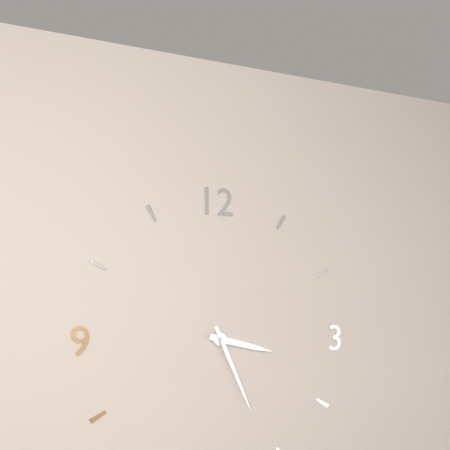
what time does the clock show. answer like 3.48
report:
3.26
